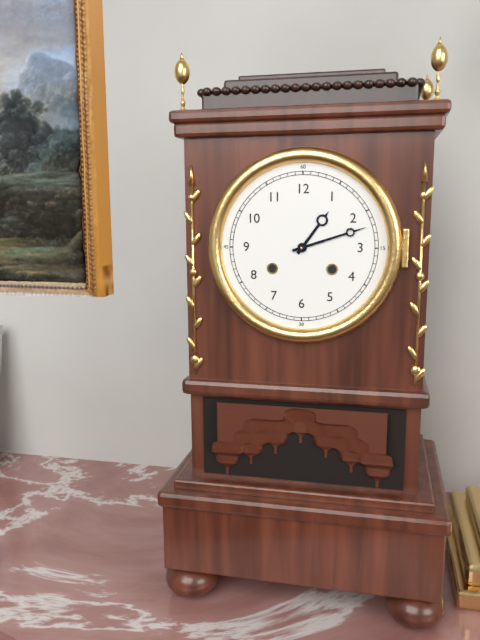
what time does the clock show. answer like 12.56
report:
1.12
